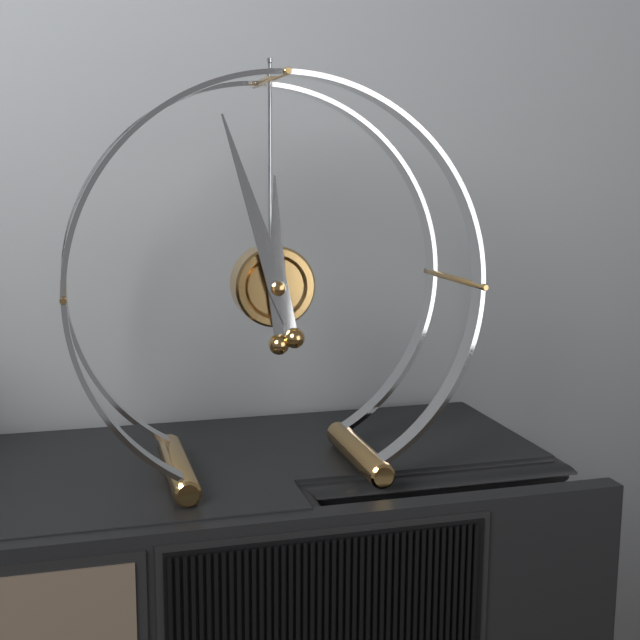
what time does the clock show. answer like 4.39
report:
11.57
